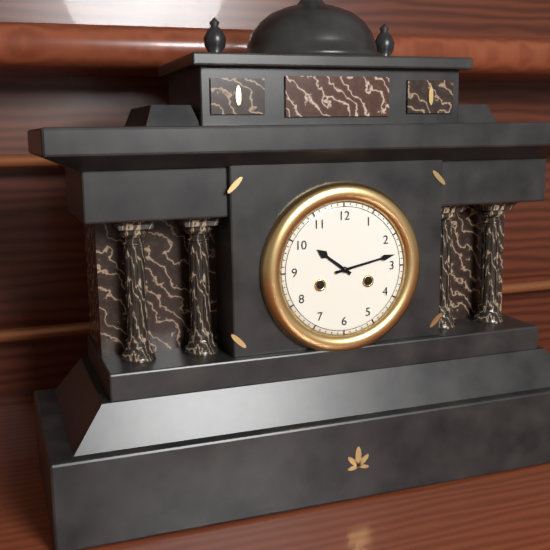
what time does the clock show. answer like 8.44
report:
10.13
